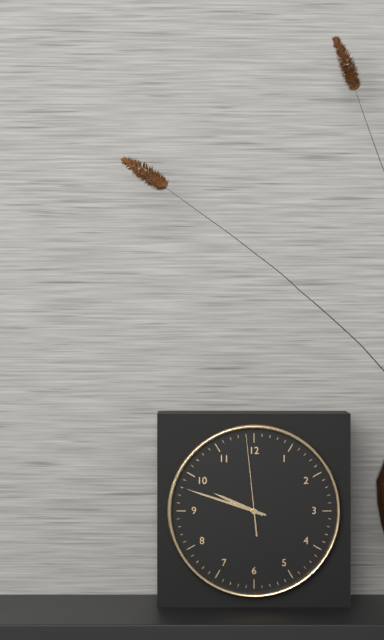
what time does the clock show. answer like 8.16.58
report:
9.48.59
